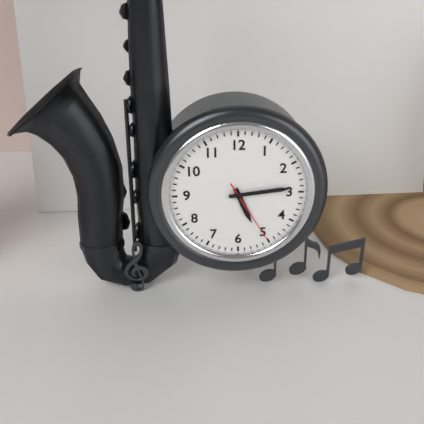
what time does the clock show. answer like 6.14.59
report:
5.14.25
